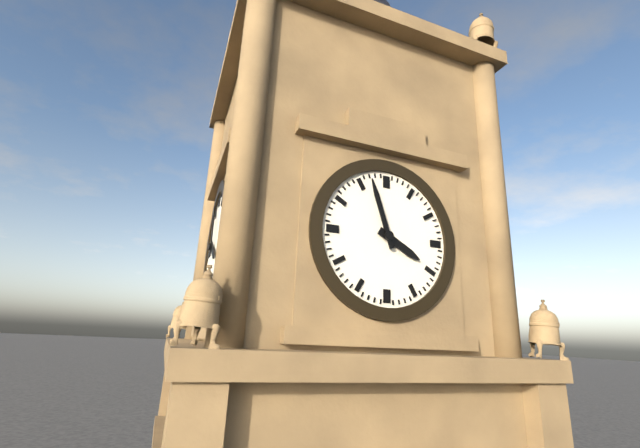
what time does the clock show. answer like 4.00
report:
3.57
